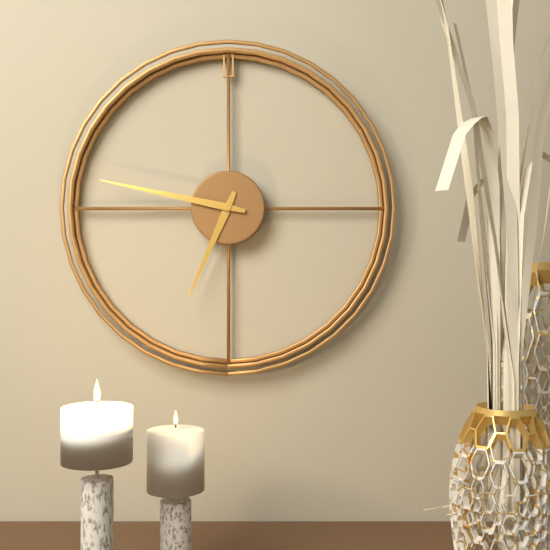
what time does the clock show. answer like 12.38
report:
6.47
